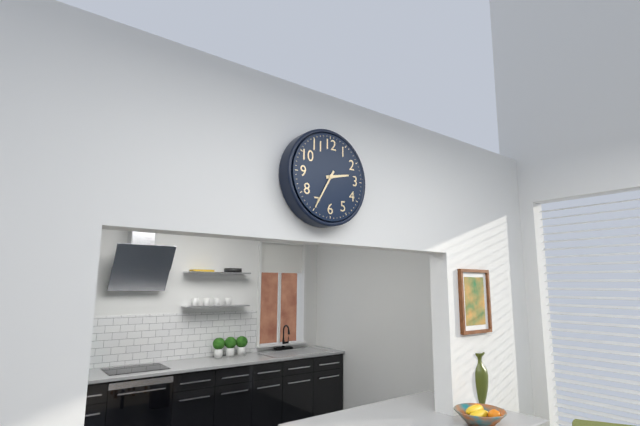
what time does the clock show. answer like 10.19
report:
2.35
